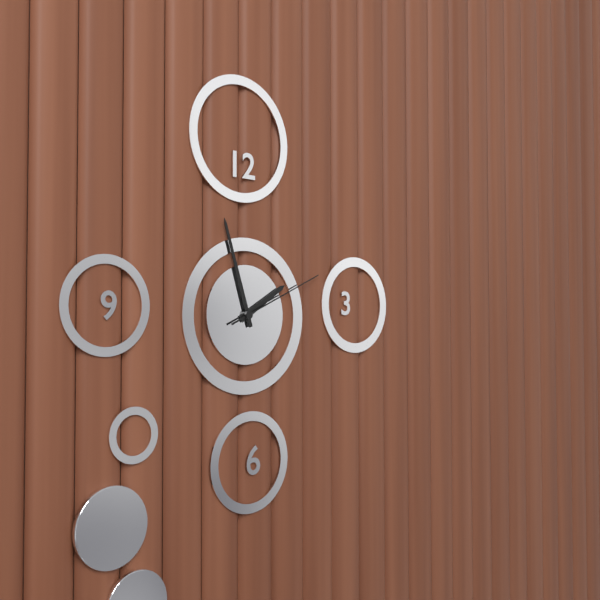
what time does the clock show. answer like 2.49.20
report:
1.57.11
